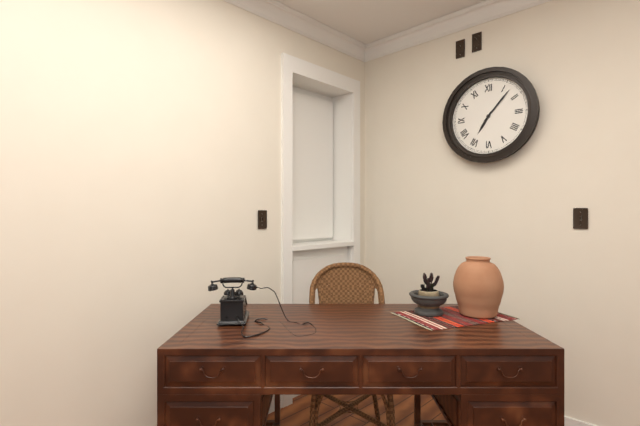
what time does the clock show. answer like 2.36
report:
7.07
